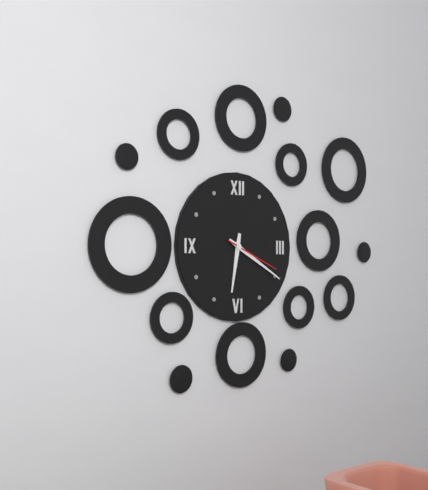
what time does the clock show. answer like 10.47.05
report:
6.20.19
